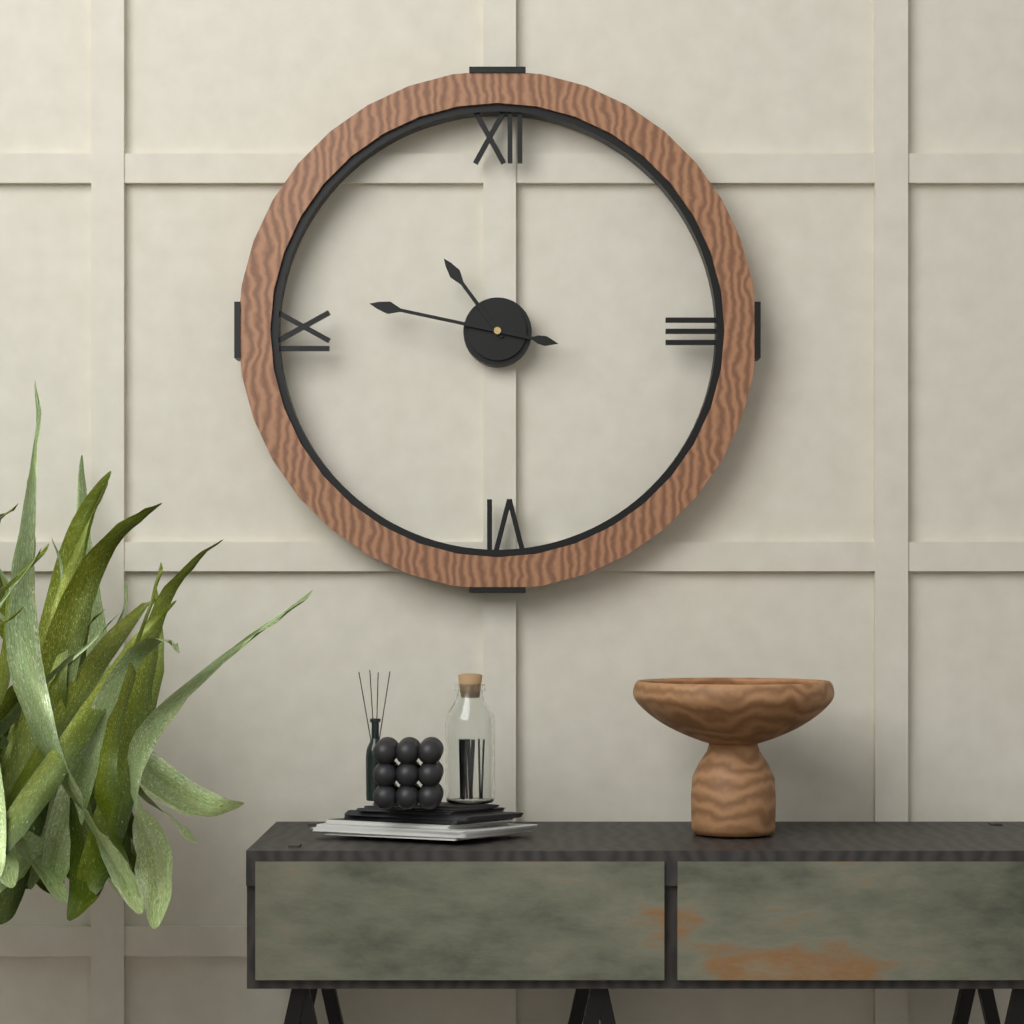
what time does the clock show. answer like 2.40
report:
10.47
